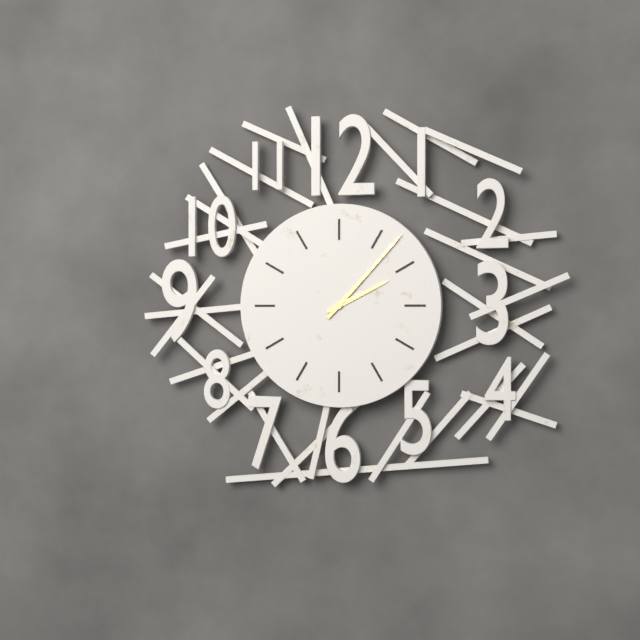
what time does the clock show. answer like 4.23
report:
2.07
